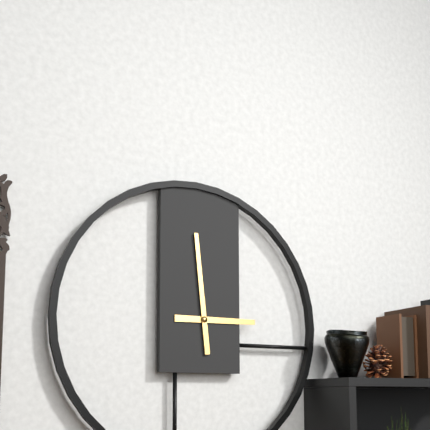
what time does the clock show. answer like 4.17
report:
2.59
